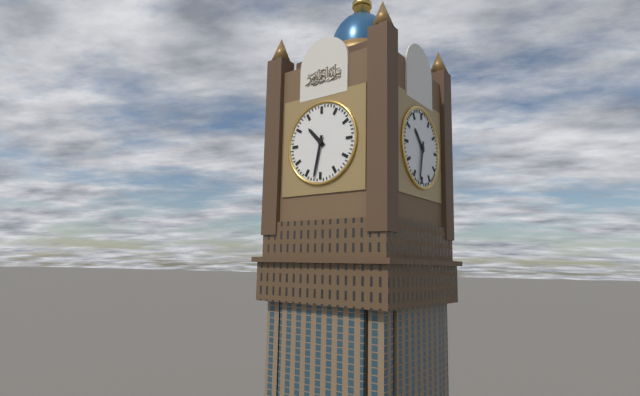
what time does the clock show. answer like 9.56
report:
10.32
